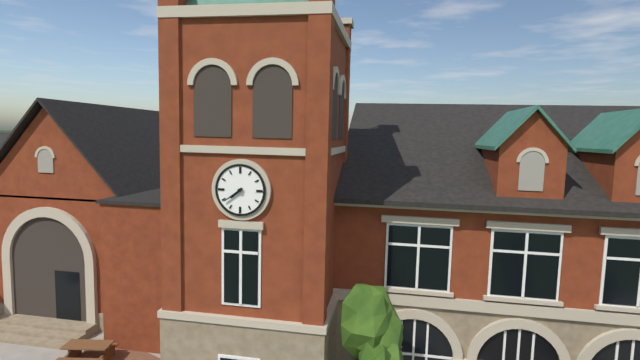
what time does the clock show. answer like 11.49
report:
7.39
